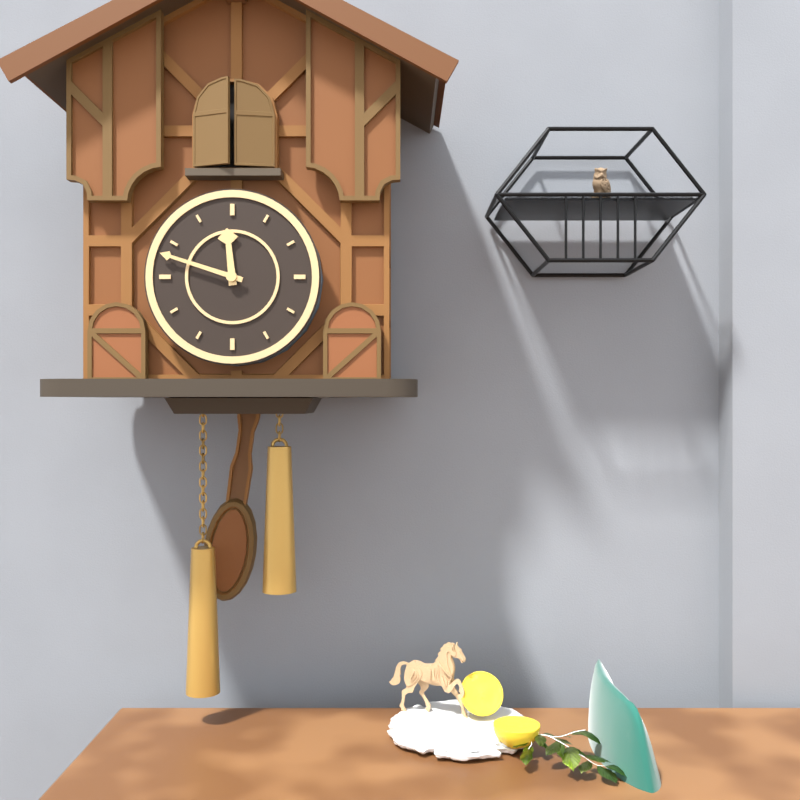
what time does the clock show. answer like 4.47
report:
11.48
